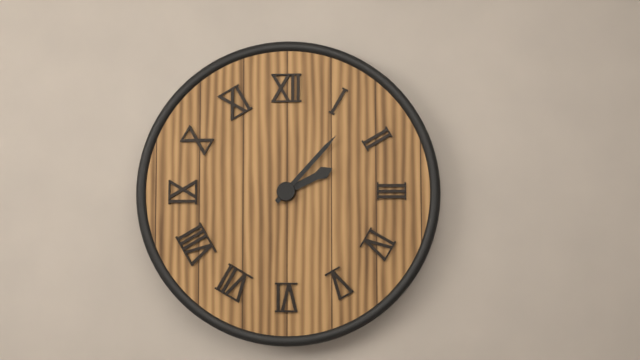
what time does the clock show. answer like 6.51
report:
2.07
